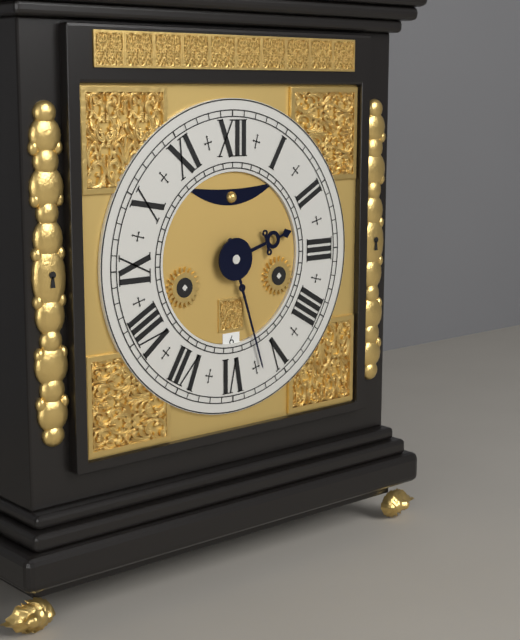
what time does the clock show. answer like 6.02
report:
2.27
